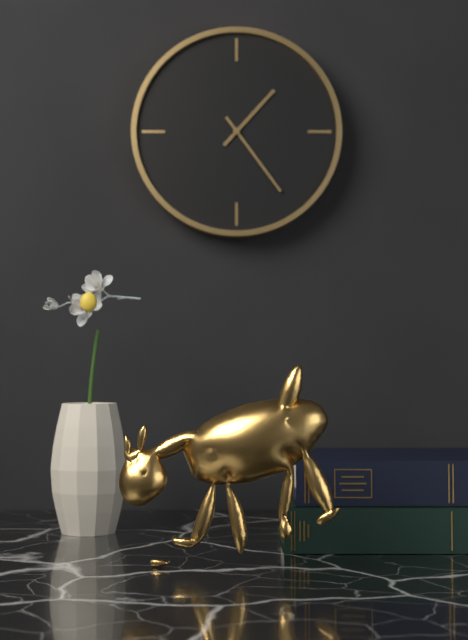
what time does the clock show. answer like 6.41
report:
1.24
